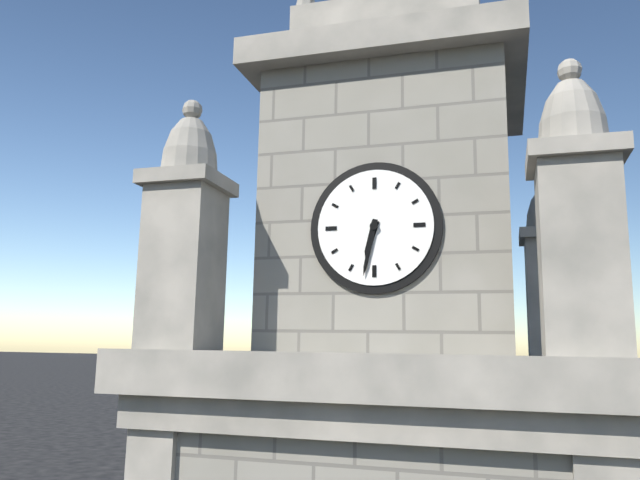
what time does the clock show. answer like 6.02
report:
6.32
